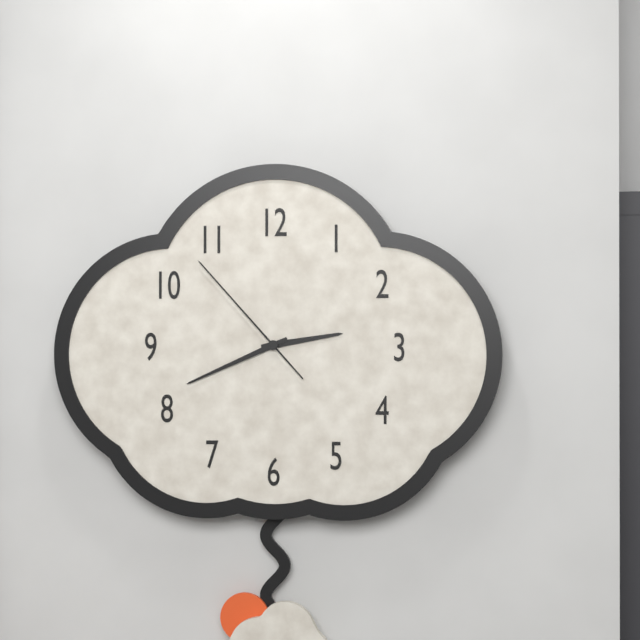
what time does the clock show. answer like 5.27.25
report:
2.41.53
